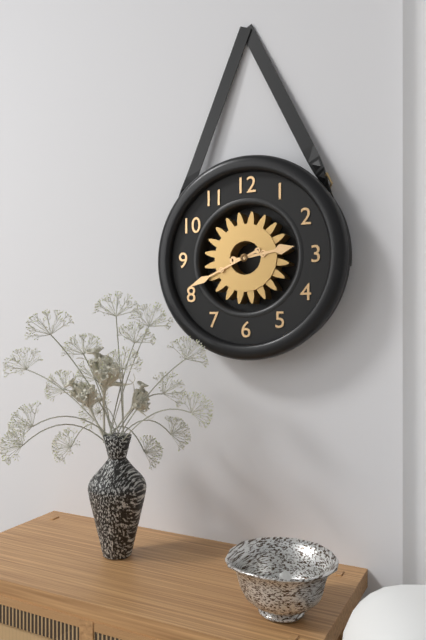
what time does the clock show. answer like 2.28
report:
2.41
